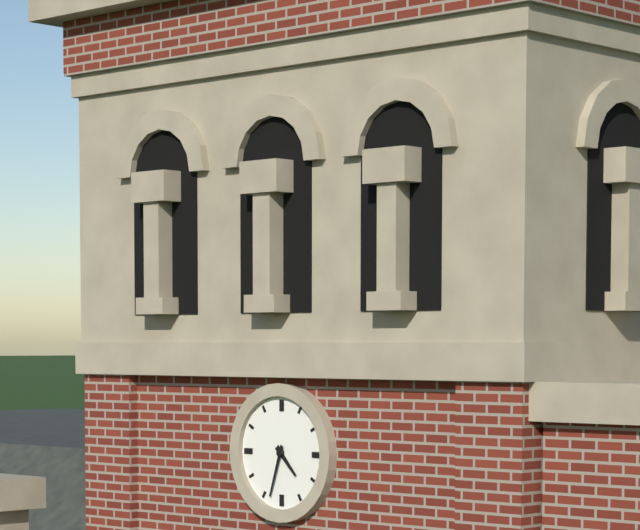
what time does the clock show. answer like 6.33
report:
4.33
